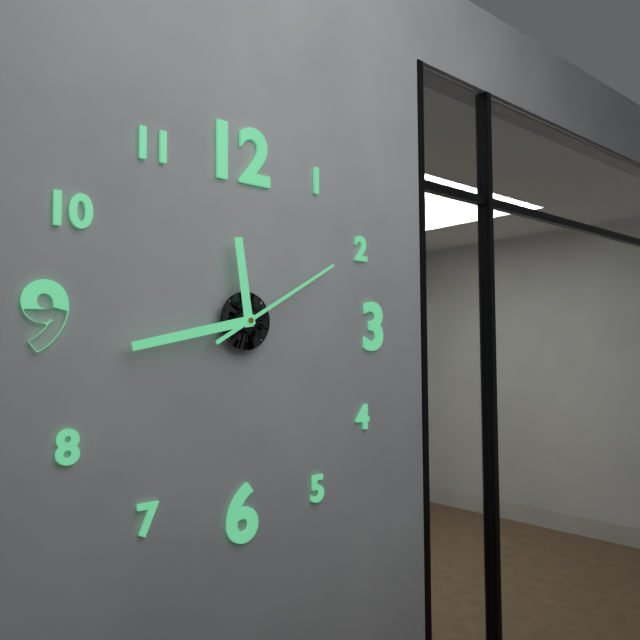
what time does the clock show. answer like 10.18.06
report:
11.43.10
